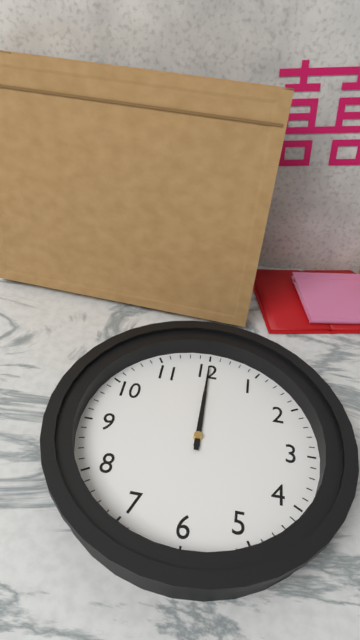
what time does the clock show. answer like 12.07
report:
12.00
